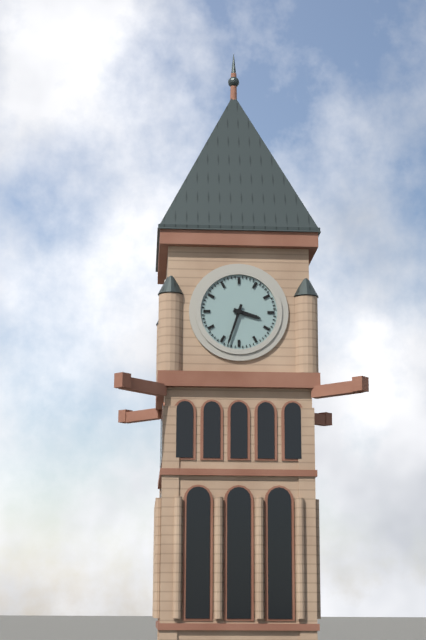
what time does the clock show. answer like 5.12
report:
3.33
